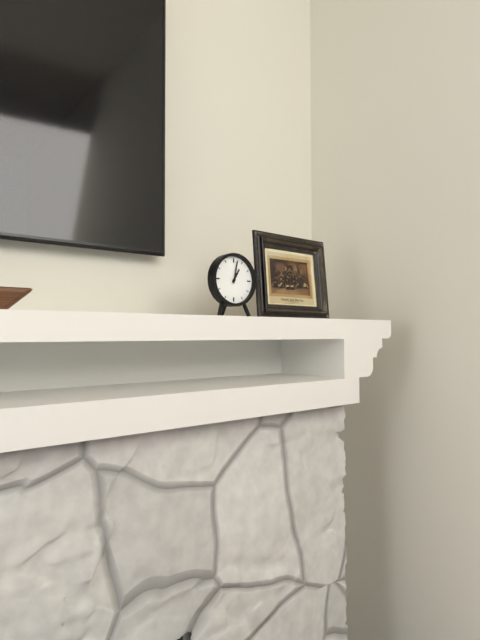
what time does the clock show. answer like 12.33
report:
1.02
